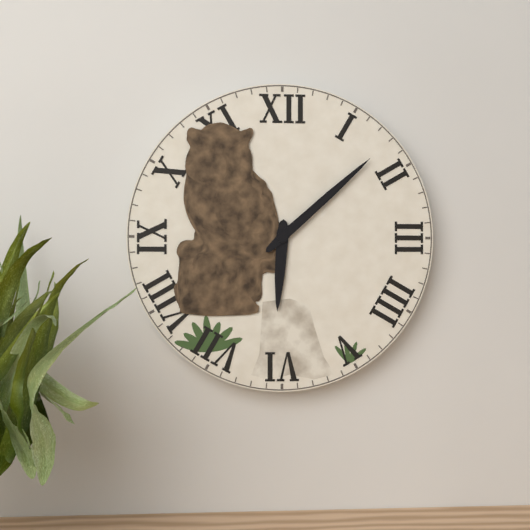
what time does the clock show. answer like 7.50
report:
6.08
